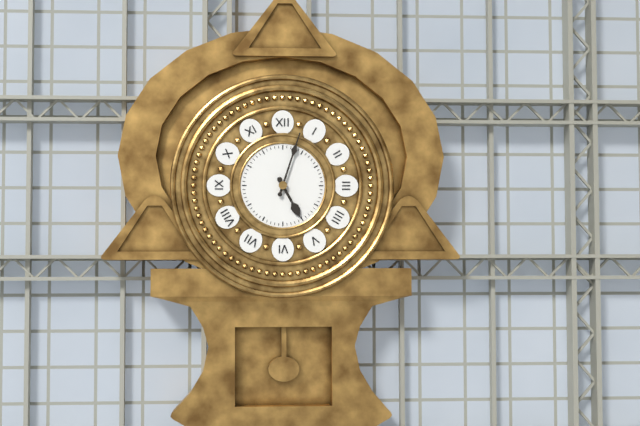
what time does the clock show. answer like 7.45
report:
5.03
